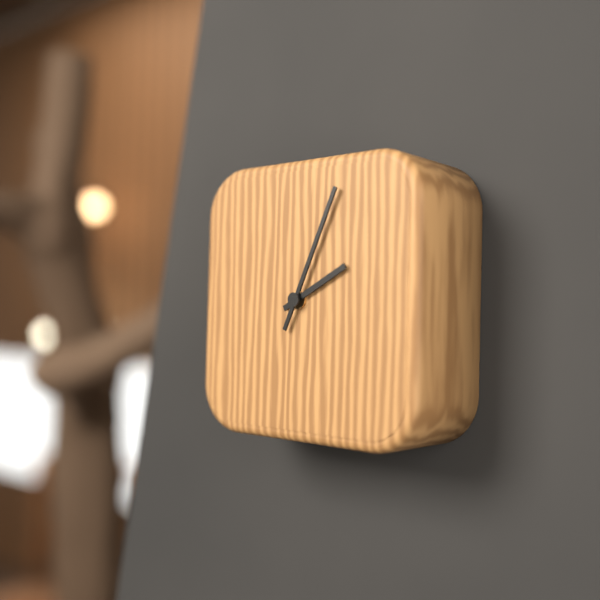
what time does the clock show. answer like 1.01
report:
2.04
